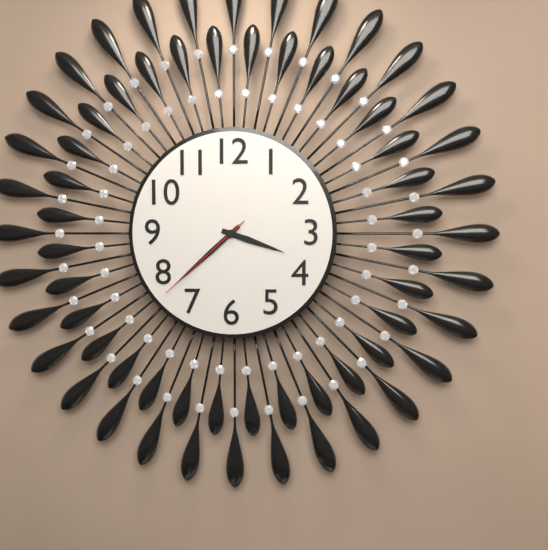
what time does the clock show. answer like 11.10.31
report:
3.38.38
